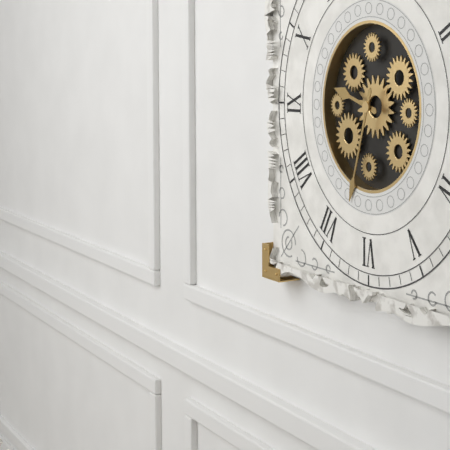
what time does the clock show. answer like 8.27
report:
9.33
